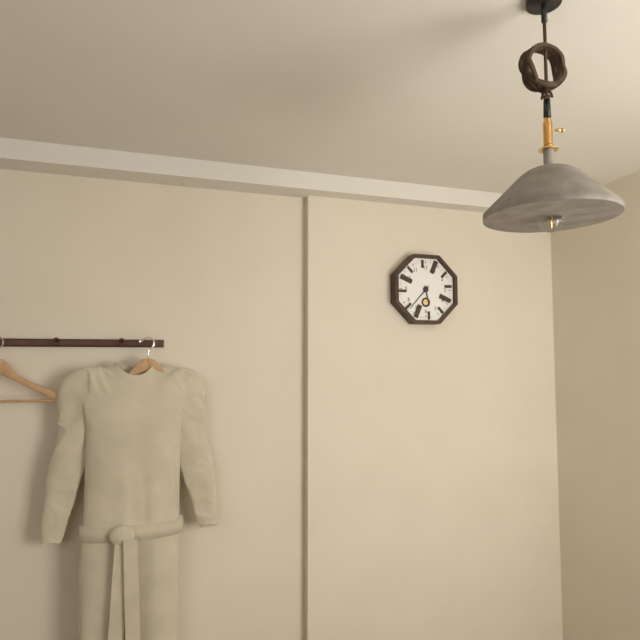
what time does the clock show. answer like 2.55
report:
5.37
